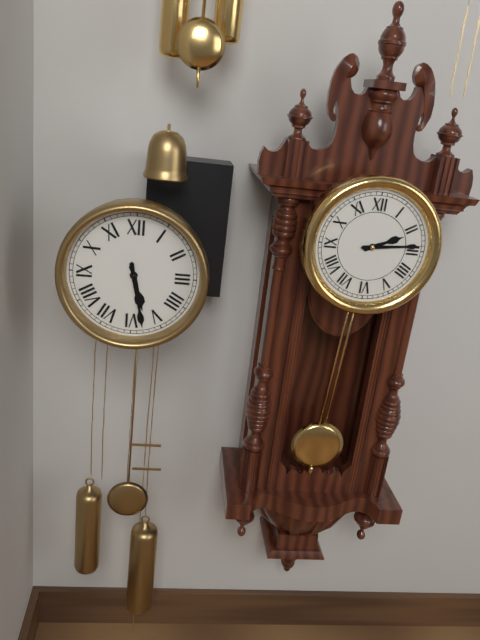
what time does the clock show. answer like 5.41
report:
5.28
